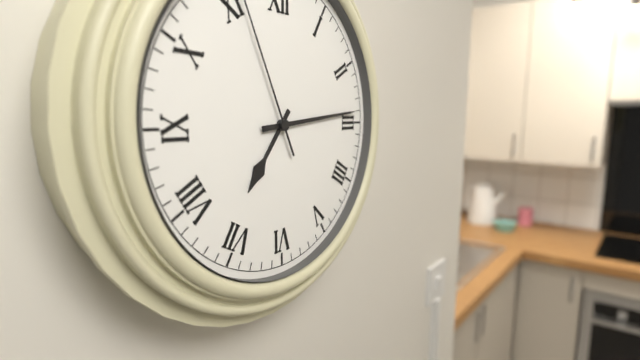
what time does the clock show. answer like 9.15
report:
7.14
